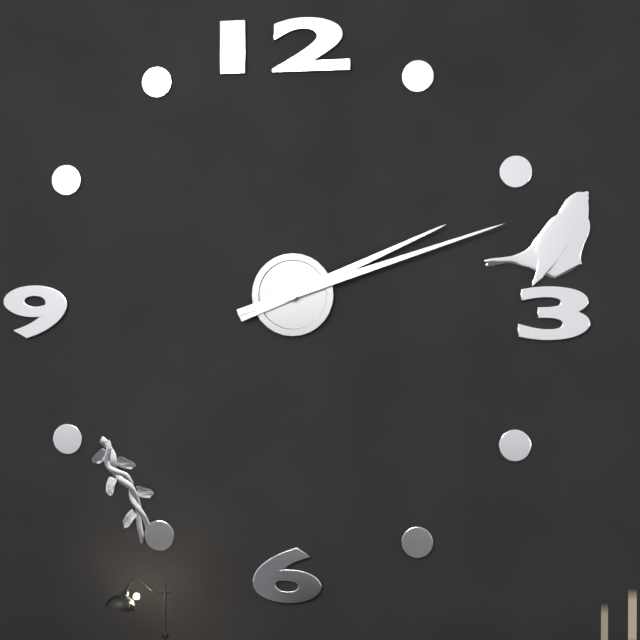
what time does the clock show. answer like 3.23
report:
2.12
